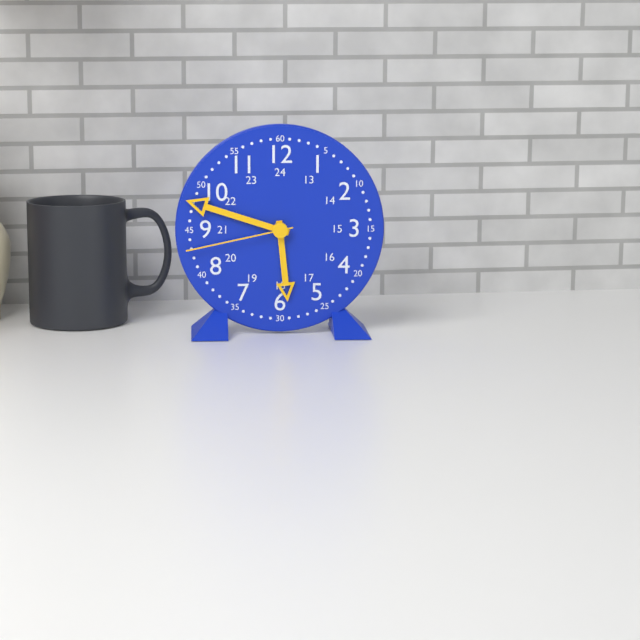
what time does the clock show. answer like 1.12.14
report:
5.48.43
